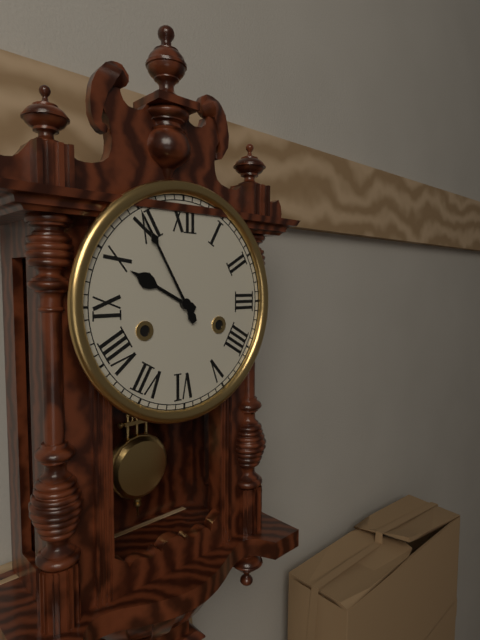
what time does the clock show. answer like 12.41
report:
9.55
